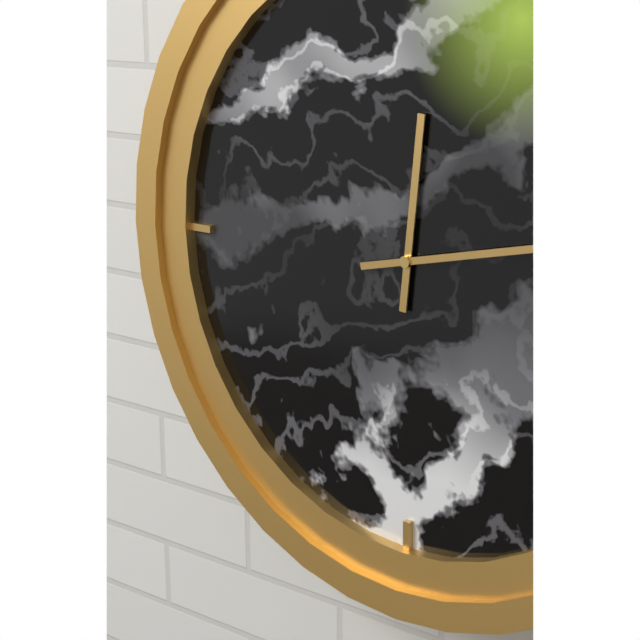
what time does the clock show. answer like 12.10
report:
12.13
